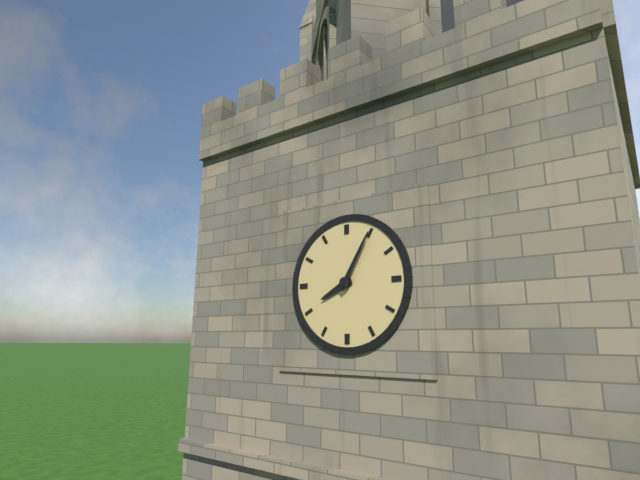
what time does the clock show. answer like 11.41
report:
8.05
